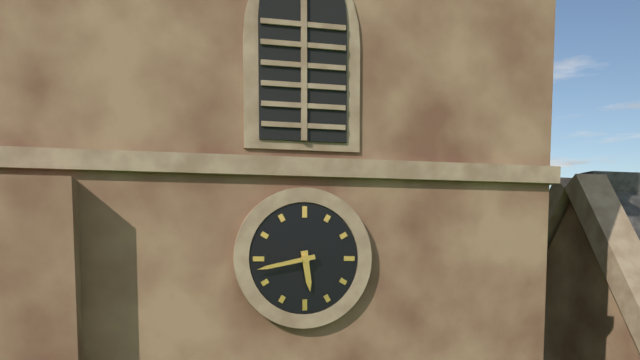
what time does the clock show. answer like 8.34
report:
5.43
